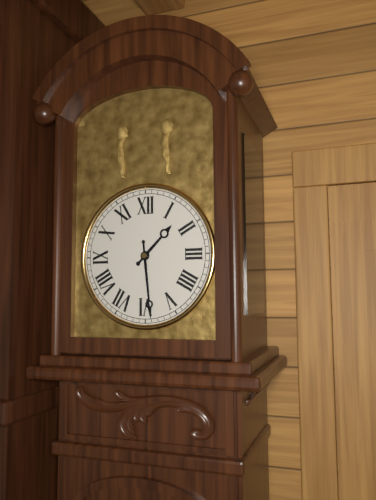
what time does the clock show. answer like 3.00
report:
1.29
